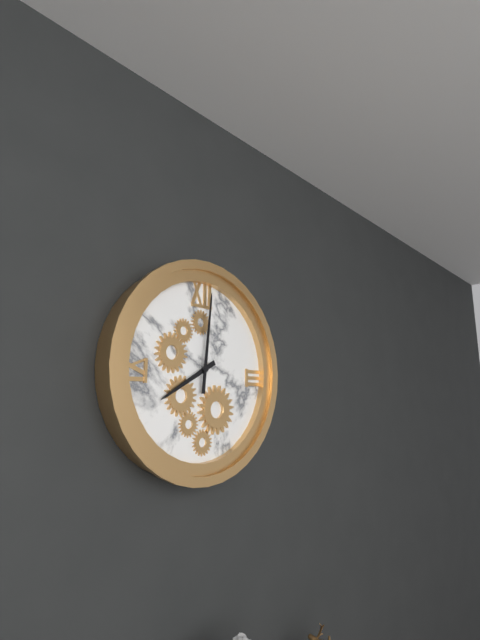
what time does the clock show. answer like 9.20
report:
8.01
